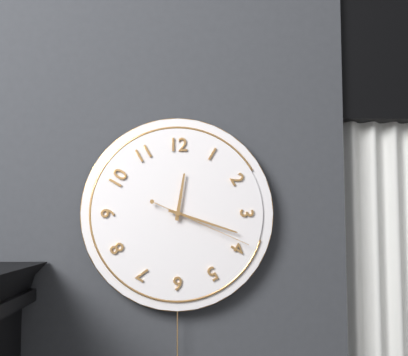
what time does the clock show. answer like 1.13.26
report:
12.18.19
